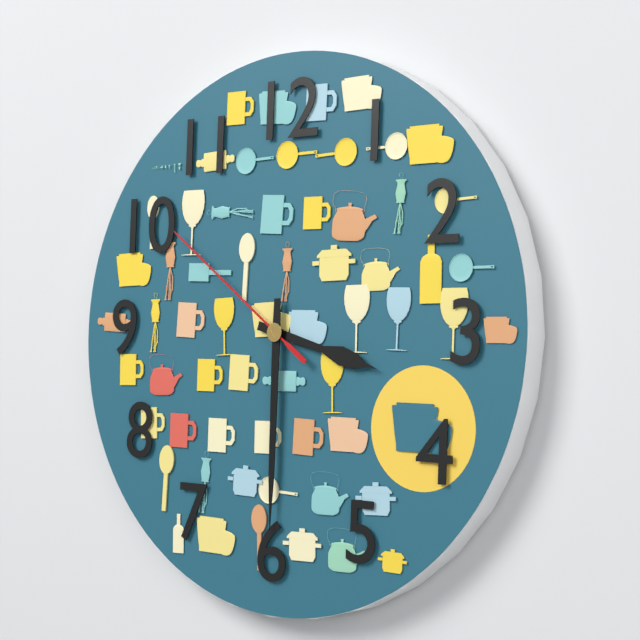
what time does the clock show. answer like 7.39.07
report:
3.30.51
